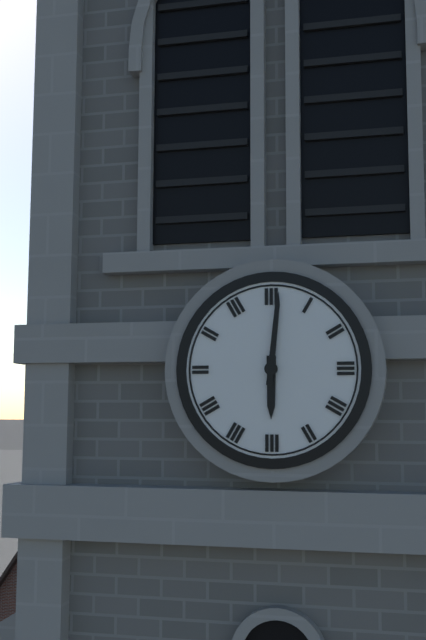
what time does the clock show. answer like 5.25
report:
6.01
